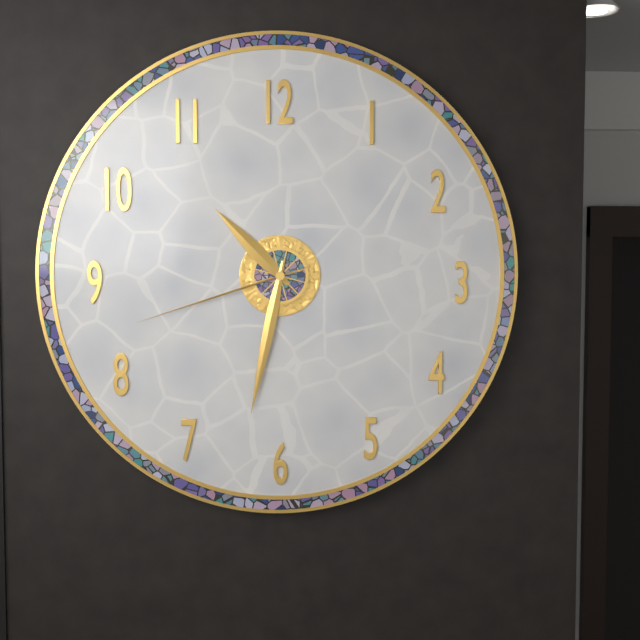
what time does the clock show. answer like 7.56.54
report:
10.32.42
